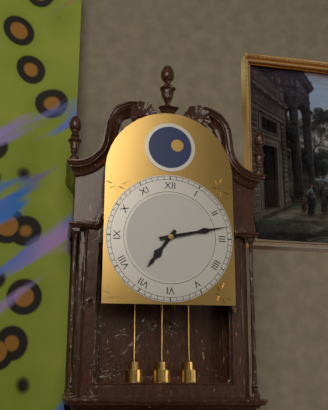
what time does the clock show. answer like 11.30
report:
7.13
